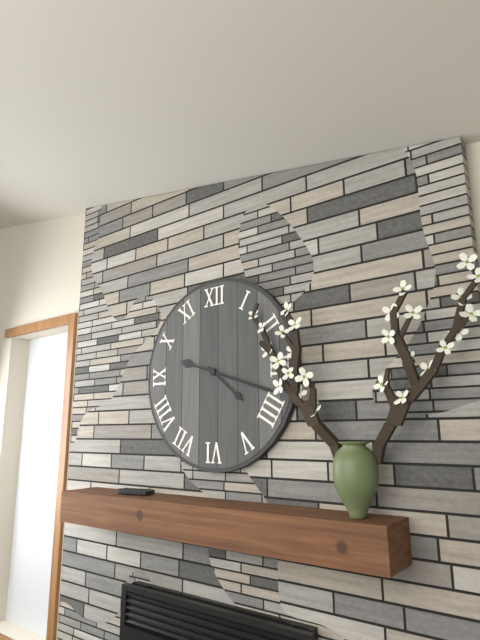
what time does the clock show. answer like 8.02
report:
4.18
